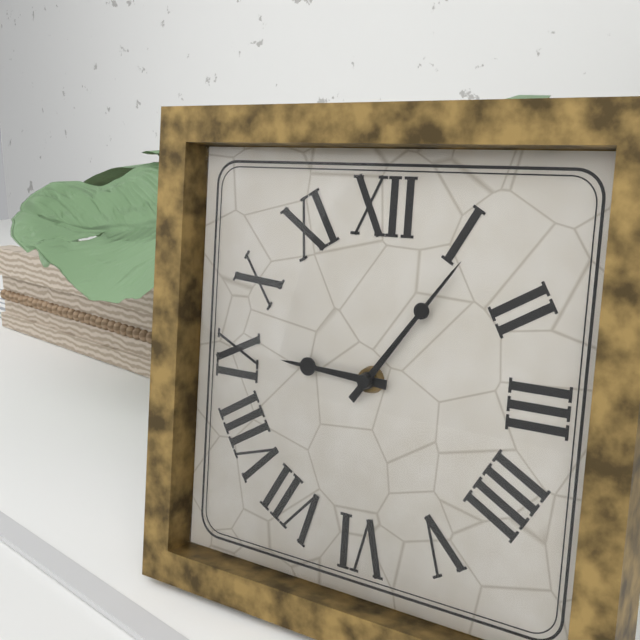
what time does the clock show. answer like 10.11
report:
9.06
